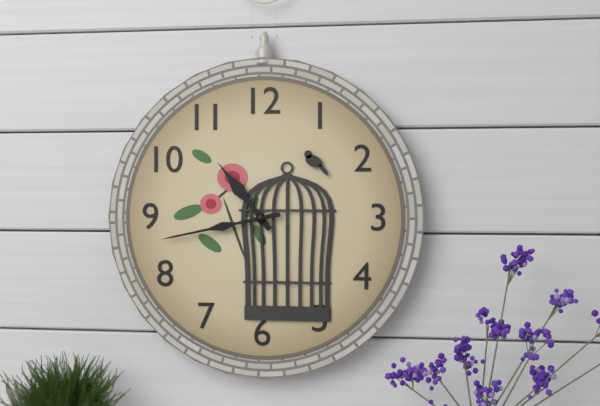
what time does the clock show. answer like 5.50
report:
10.43
